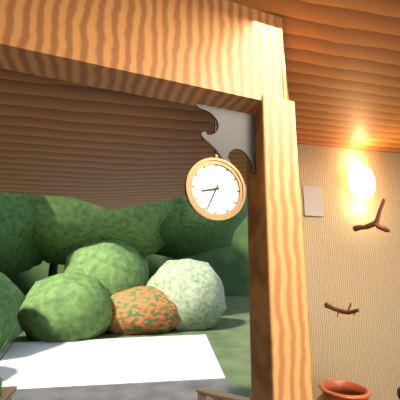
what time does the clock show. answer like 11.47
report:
8.34
